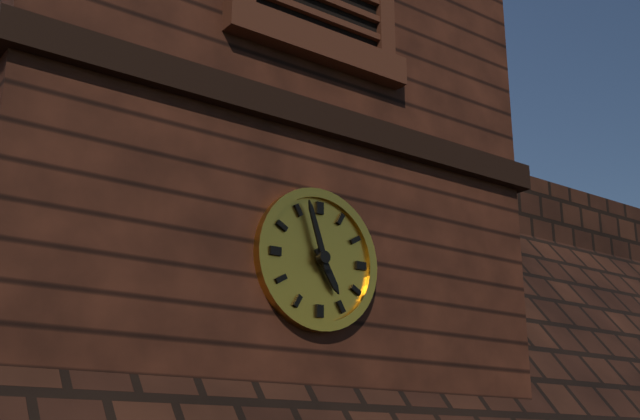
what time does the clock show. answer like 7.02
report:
4.57
